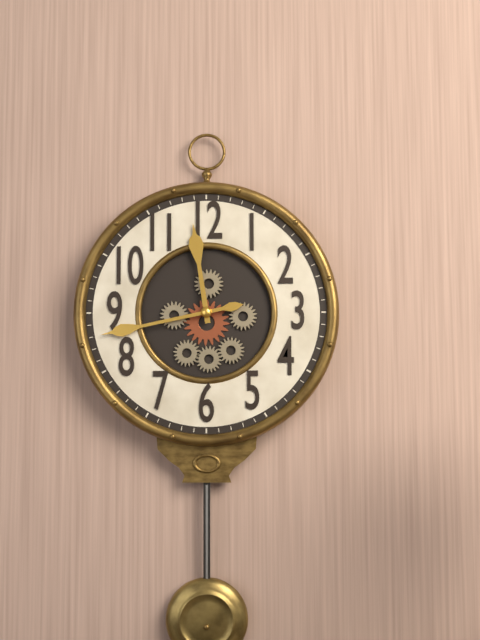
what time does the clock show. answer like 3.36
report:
11.43
